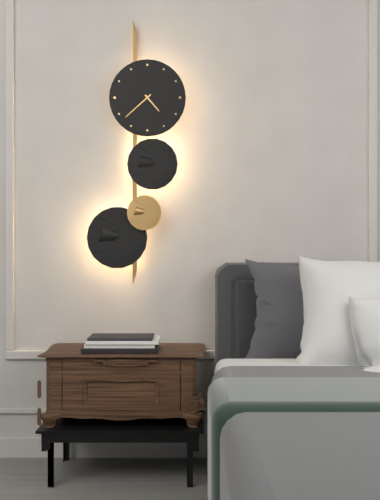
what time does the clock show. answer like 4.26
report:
4.38
